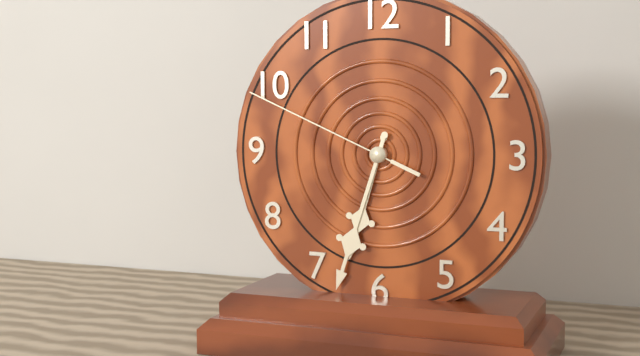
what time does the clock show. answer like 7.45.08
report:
6.33.49
